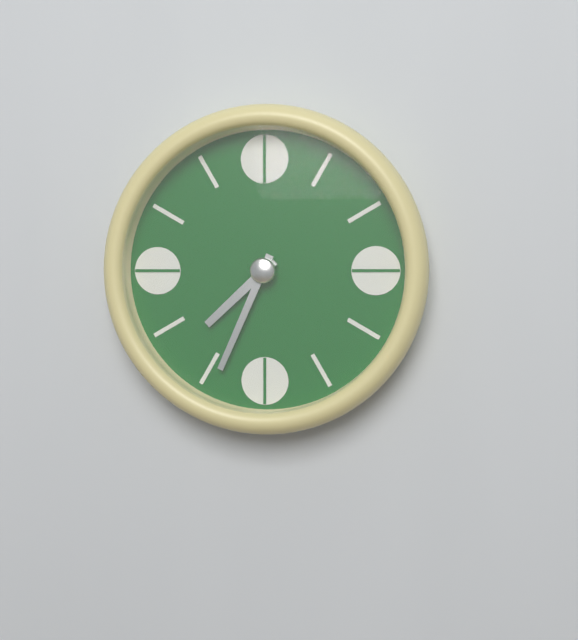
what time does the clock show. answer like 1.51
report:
7.34
